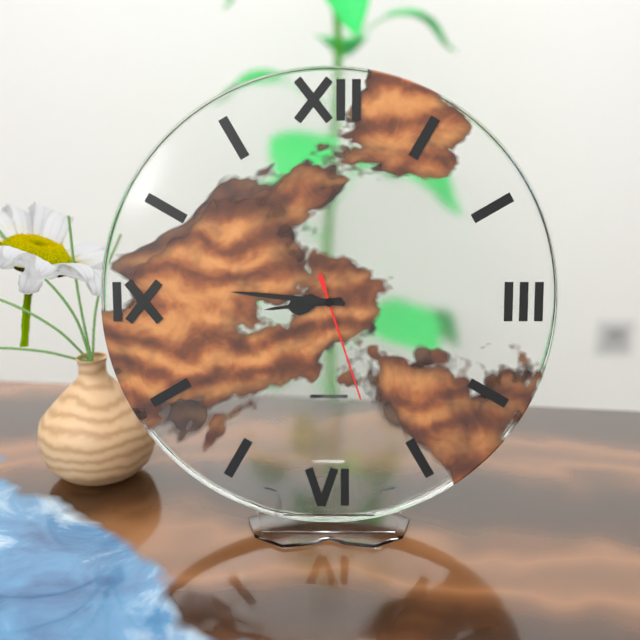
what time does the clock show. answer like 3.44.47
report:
8.46.27
